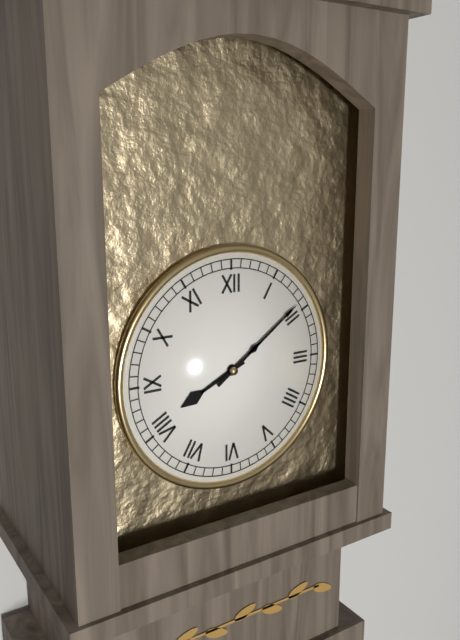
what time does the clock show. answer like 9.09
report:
8.09
